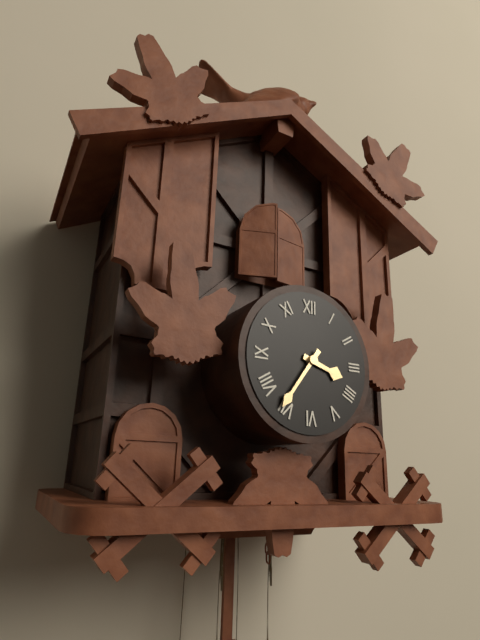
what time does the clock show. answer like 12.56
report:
3.36
